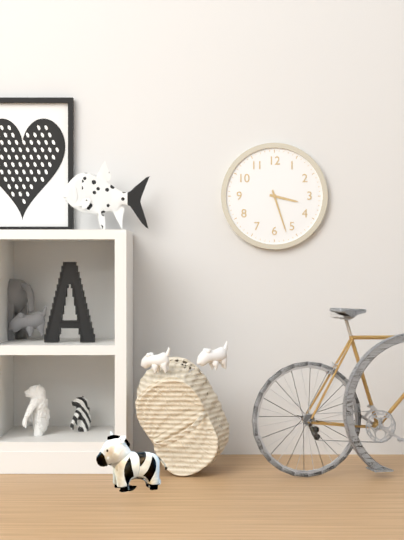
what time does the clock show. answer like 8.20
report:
3.27
